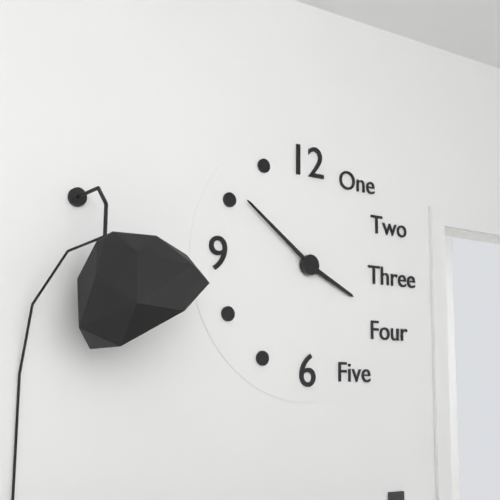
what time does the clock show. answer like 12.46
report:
3.51
